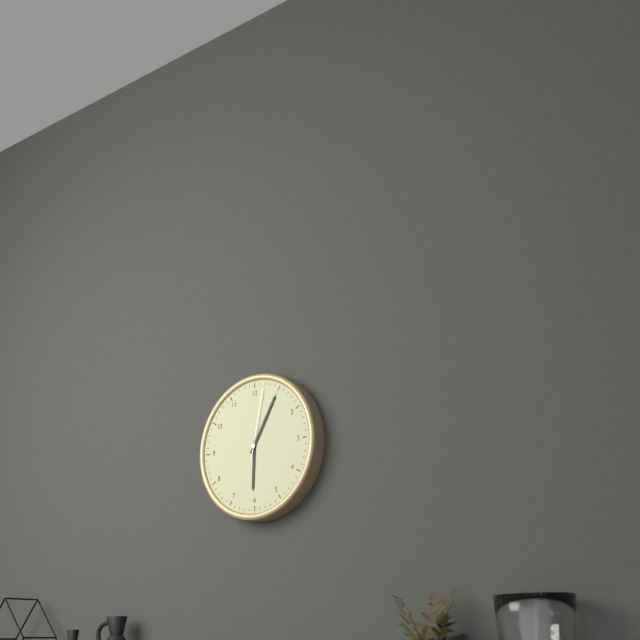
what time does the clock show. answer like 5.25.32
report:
6.05.02
